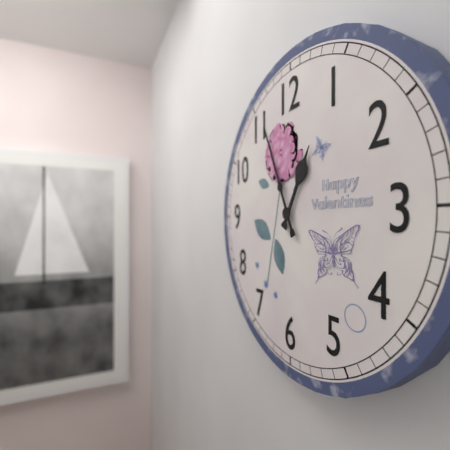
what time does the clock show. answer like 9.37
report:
12.56
